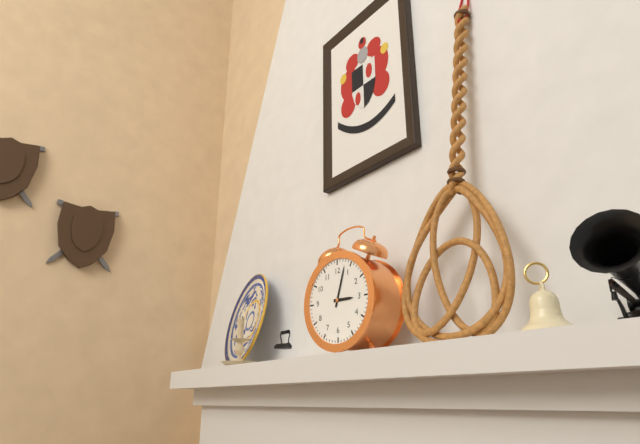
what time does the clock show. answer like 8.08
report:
3.03
